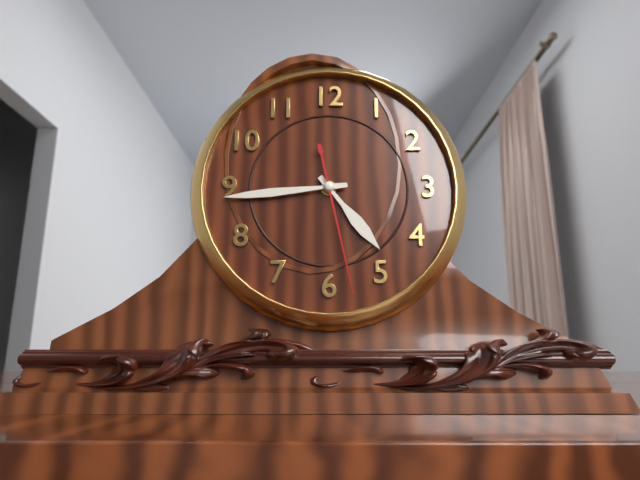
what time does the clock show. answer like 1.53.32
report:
4.44.28
